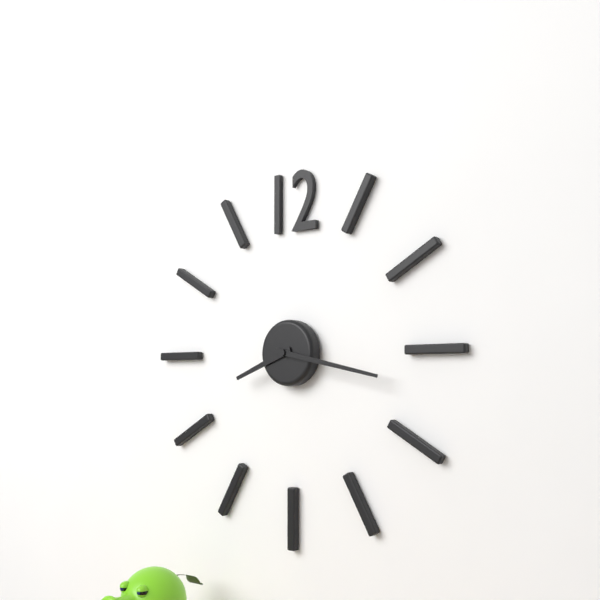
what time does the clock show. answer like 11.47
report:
8.17
